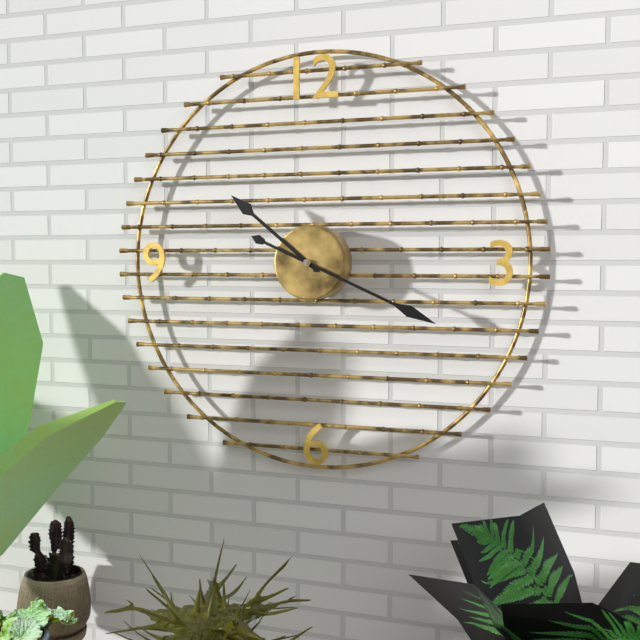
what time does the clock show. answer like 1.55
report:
10.19
